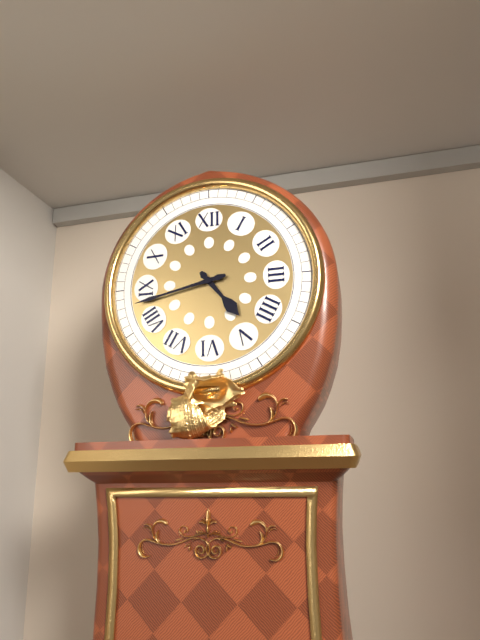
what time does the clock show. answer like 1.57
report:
4.43
